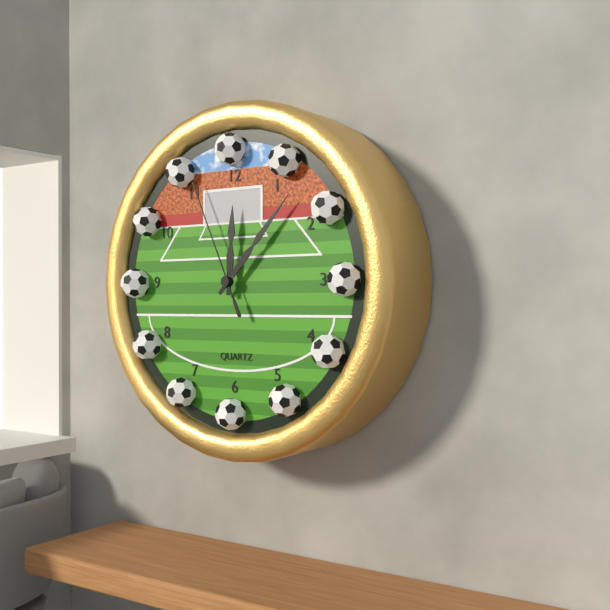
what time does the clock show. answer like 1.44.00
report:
12.07.56
